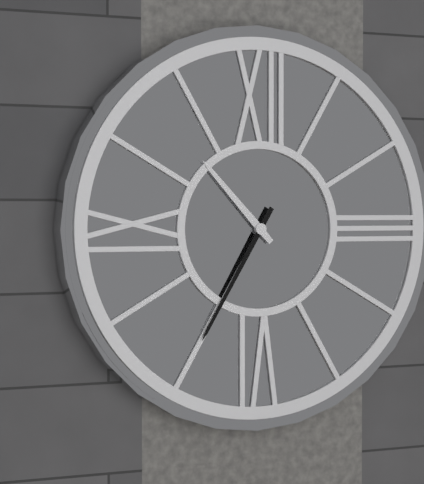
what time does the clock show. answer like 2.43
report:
10.35
